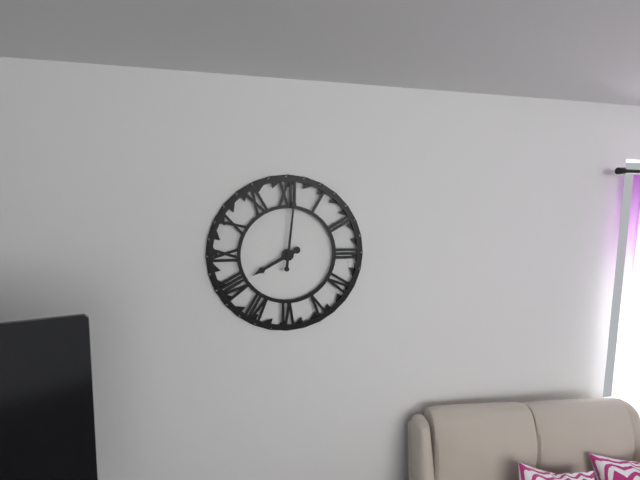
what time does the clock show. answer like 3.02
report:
8.01
